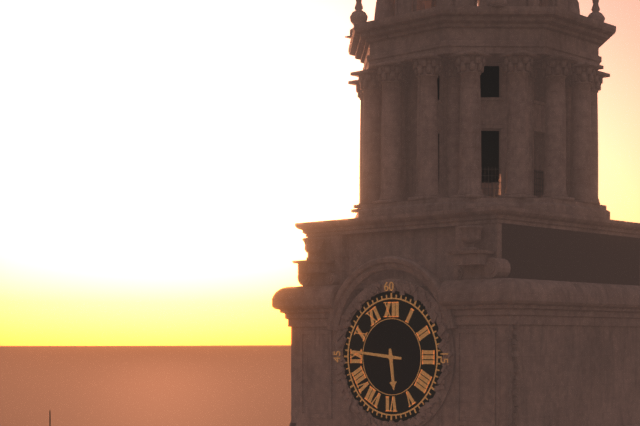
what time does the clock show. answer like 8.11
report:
5.46
